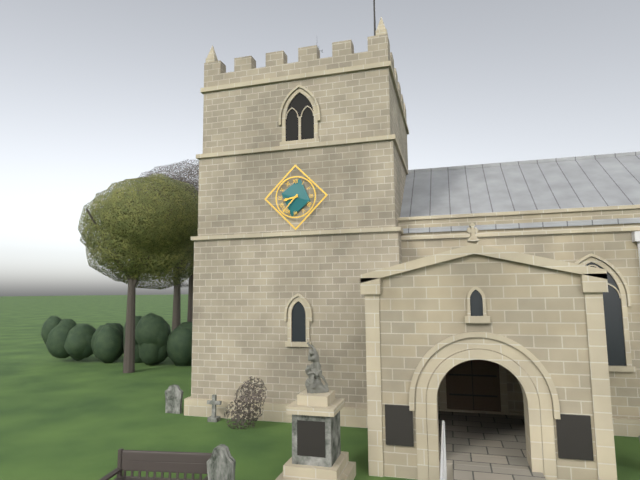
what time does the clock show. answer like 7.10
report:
8.37
